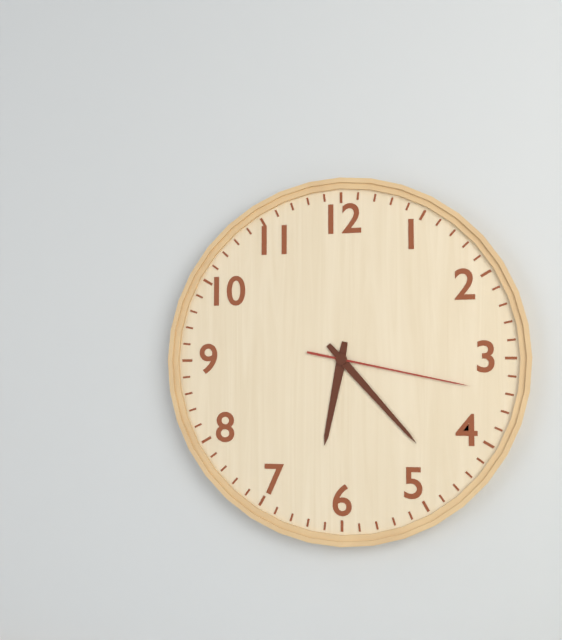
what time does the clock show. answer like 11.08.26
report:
6.23.17
